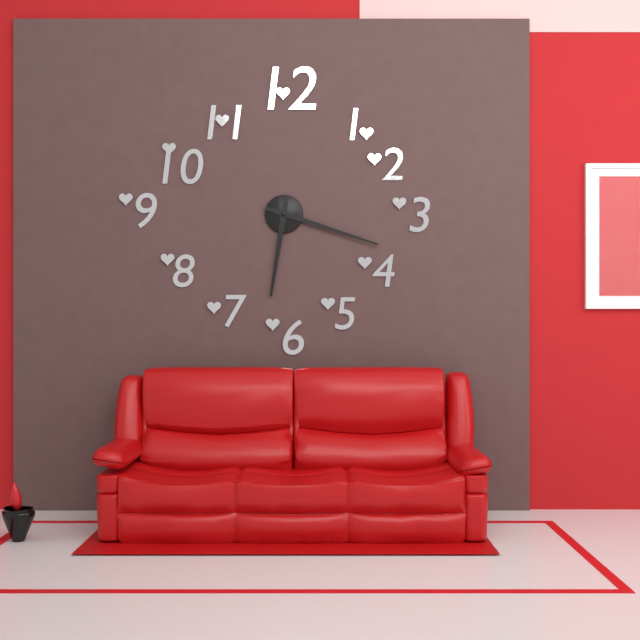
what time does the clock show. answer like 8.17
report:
6.18
